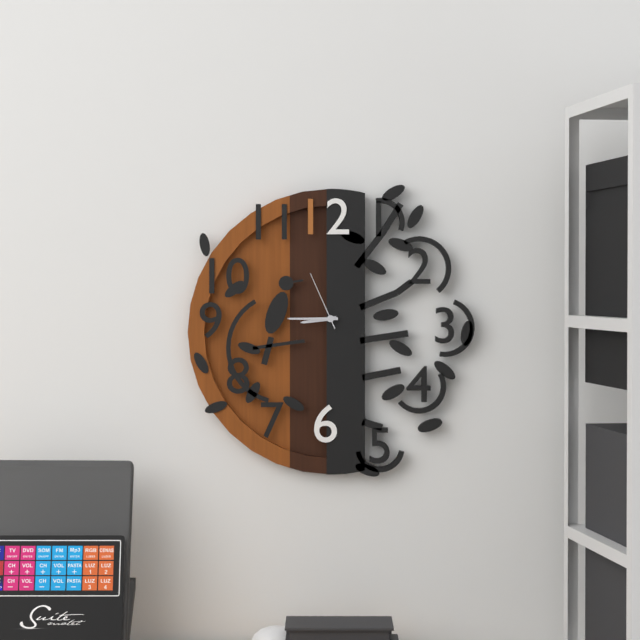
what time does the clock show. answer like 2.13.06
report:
8.45.56
